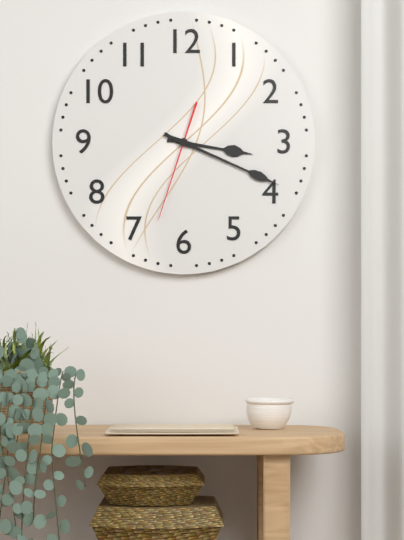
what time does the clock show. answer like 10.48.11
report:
3.19.33
